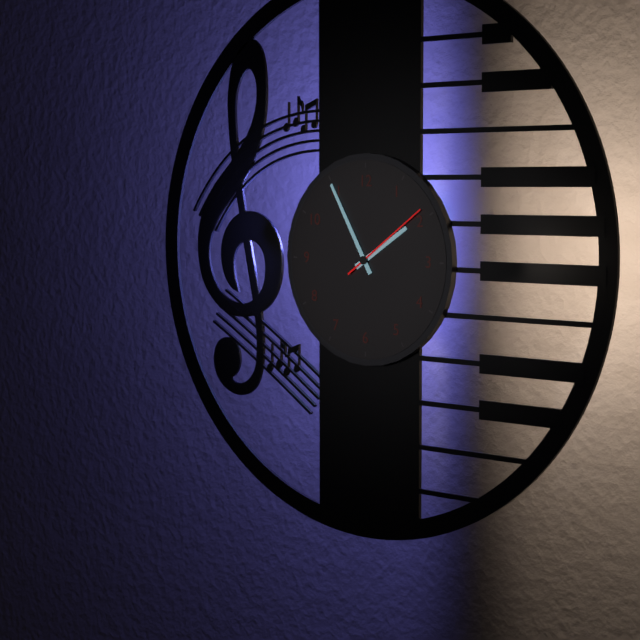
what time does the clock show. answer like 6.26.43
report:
1.55.09
